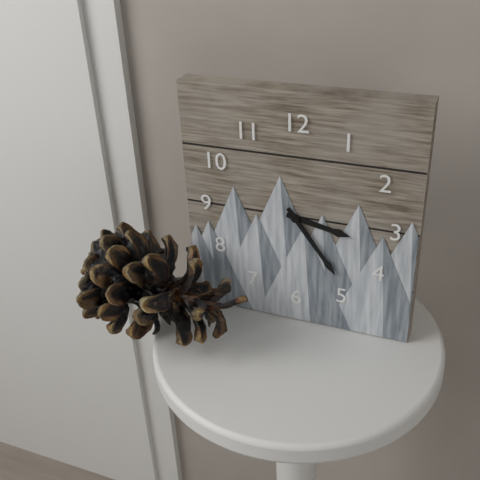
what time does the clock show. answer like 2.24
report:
3.24
